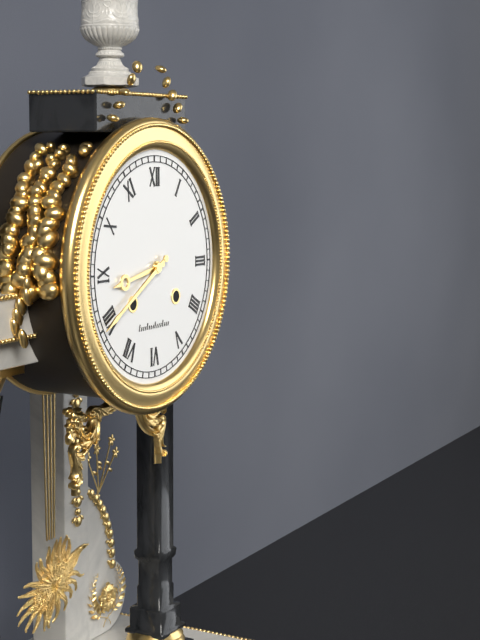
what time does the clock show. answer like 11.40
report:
8.40
